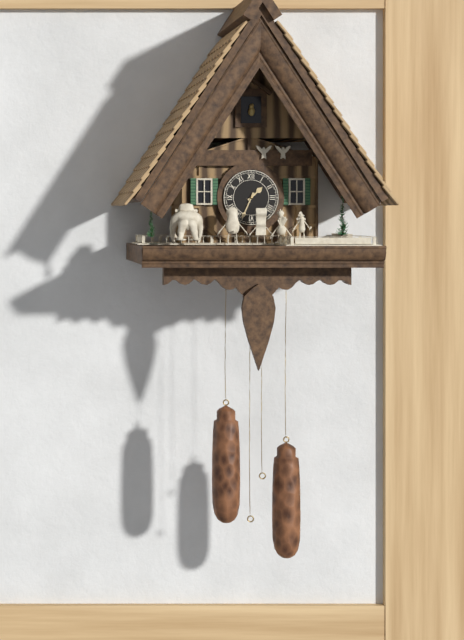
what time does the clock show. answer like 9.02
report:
1.34
